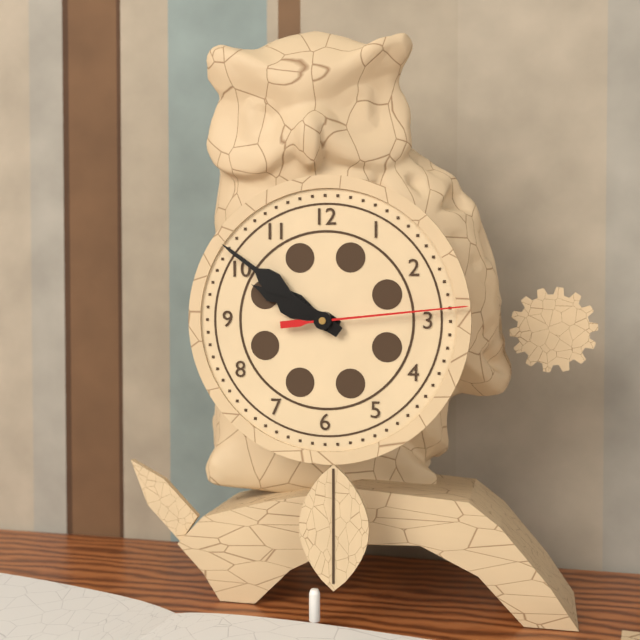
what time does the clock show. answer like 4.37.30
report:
9.51.14
